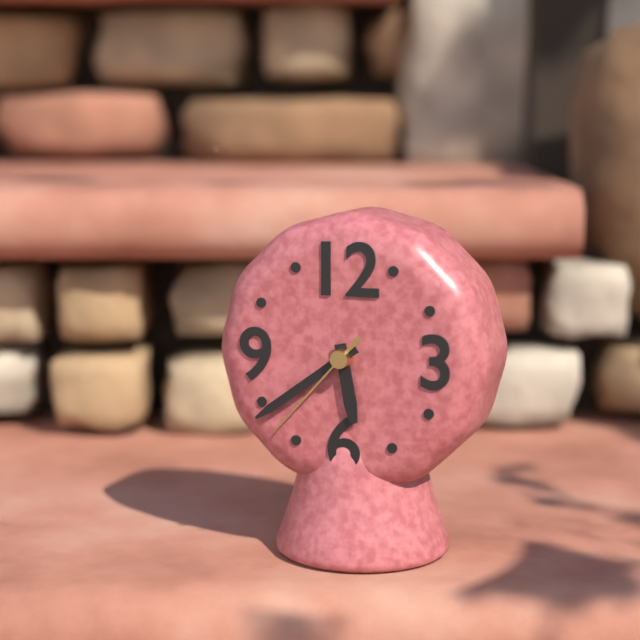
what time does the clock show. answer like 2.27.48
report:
5.39.37
